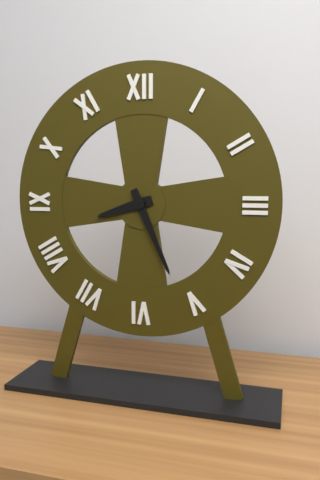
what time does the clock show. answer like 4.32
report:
8.26
